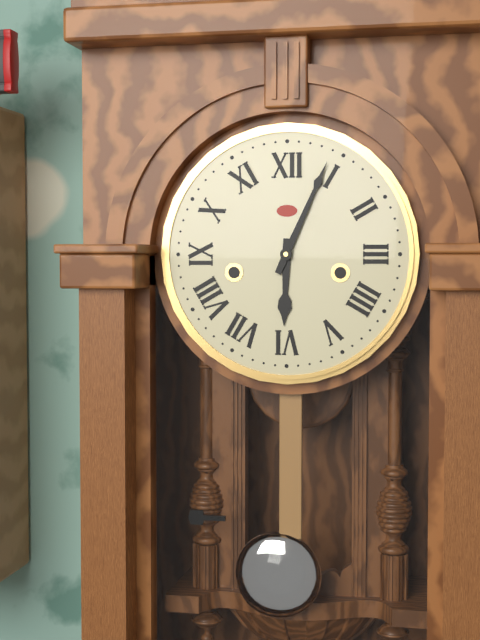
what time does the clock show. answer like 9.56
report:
6.04
